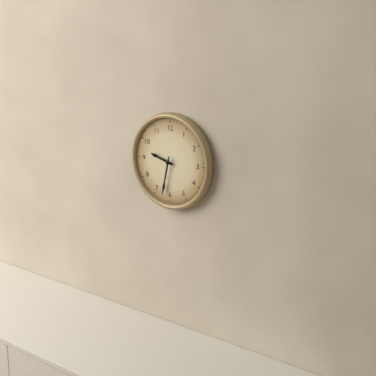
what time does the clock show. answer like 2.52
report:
9.32
